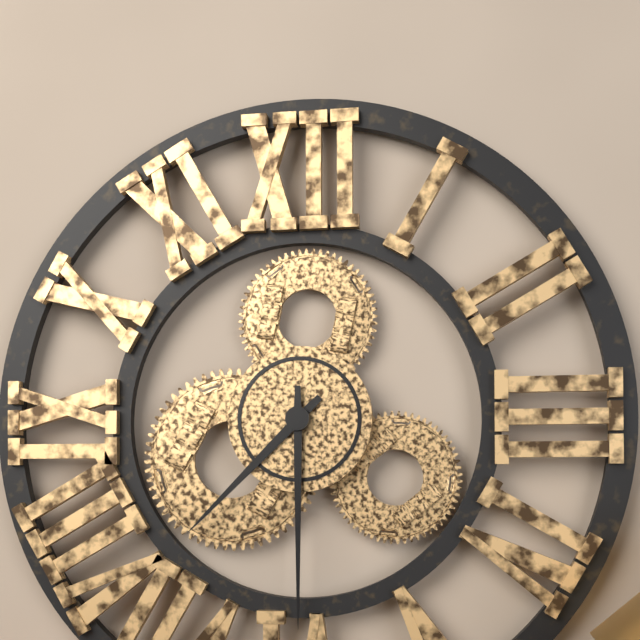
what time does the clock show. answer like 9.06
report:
7.30
